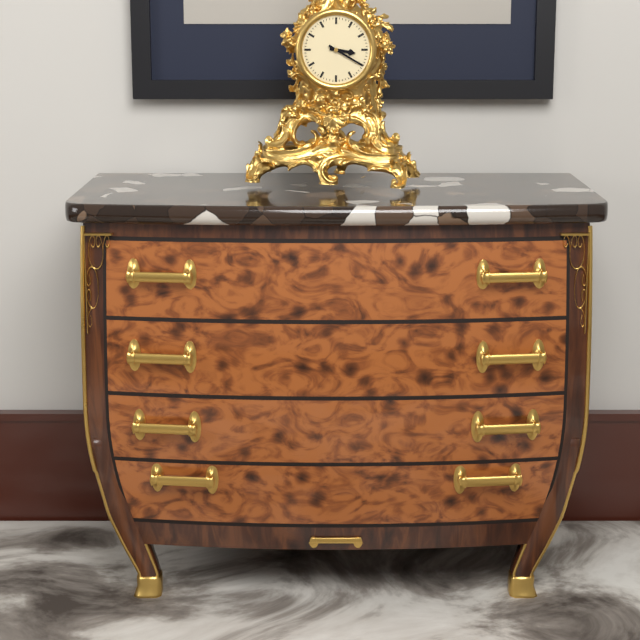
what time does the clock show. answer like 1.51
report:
3.20
